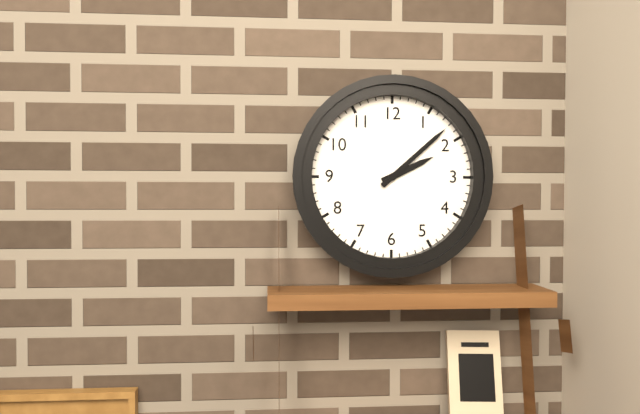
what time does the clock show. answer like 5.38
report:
2.08
